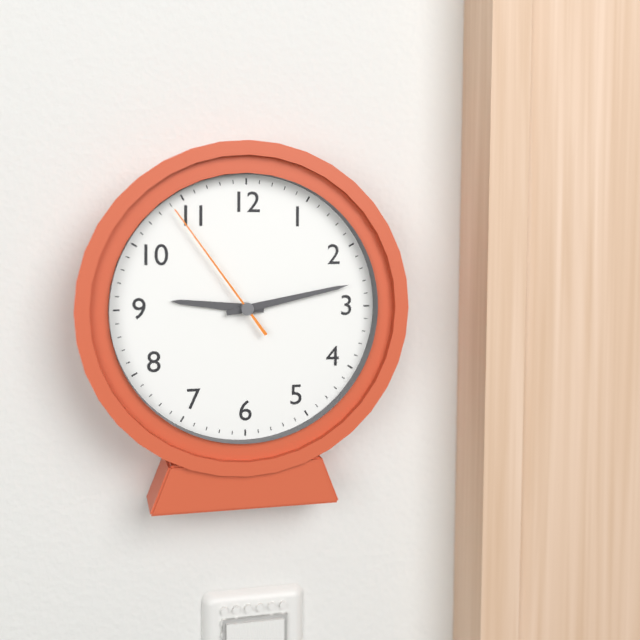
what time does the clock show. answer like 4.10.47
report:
9.13.54
